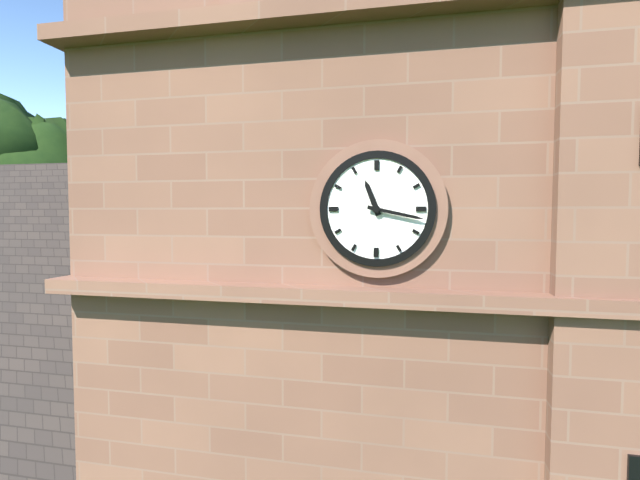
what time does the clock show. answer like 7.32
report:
11.17
